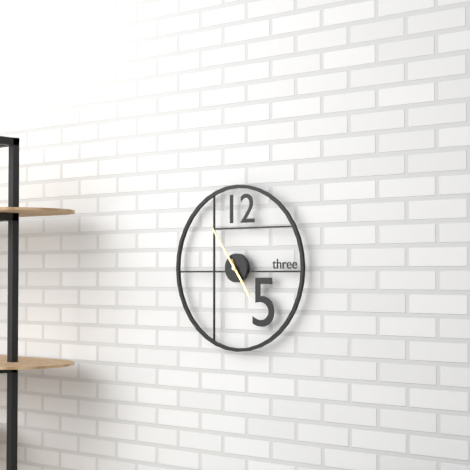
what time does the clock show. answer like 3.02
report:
4.54
